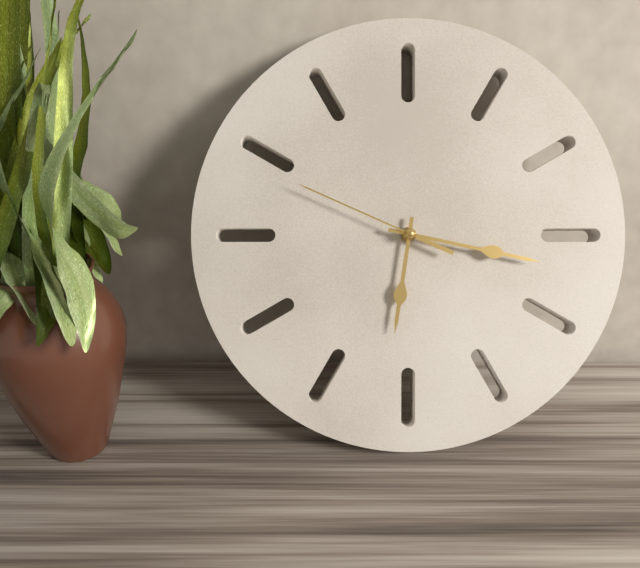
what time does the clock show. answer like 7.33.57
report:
6.17.49
